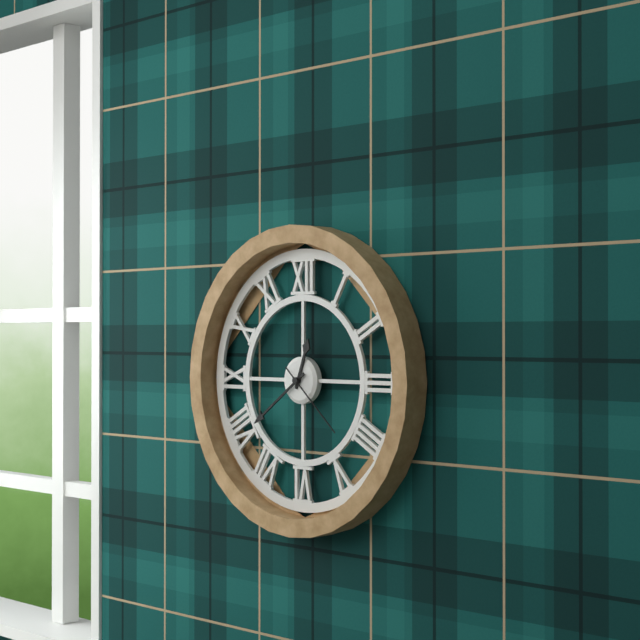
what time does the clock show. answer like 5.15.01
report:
12.39.22
